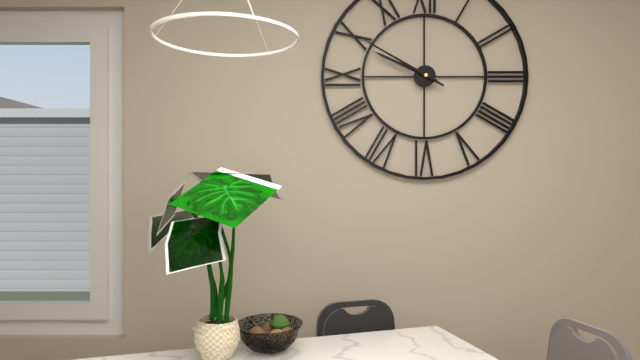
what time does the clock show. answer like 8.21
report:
9.50
